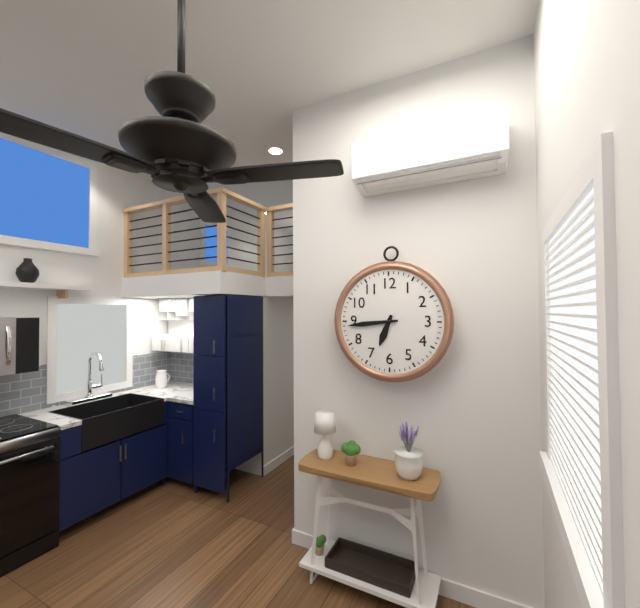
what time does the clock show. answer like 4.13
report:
6.44
